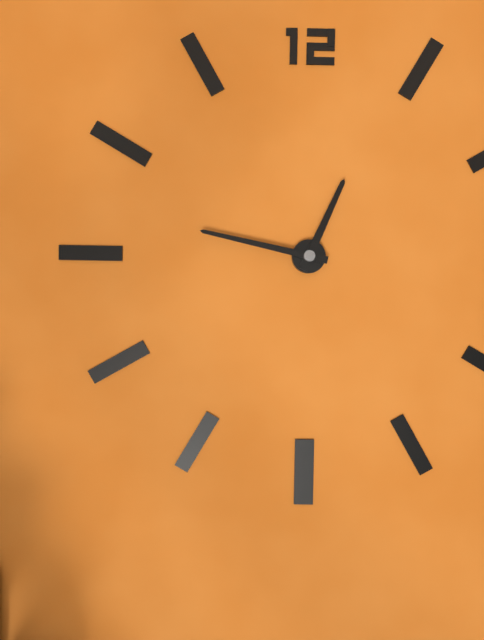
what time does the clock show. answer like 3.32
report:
12.47
